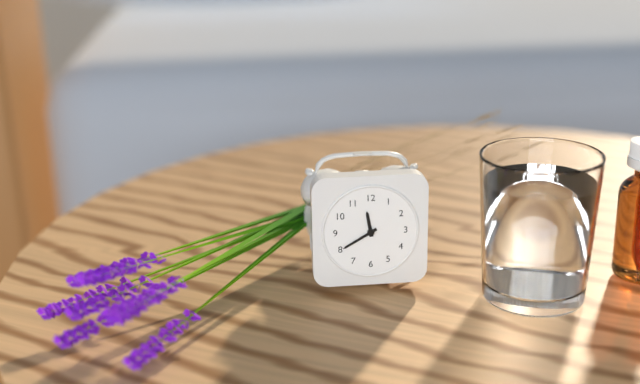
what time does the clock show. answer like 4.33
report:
11.40
